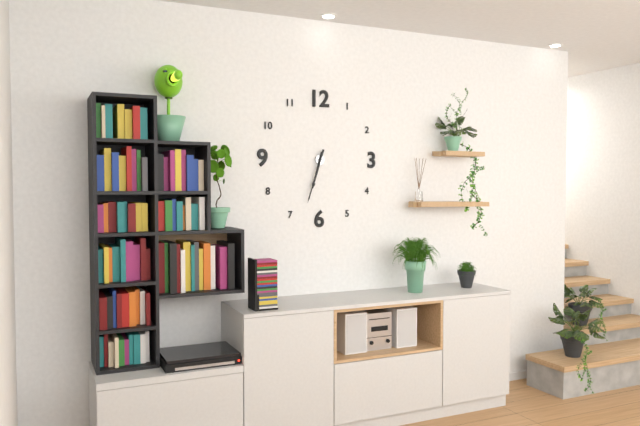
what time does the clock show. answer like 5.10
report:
6.33
